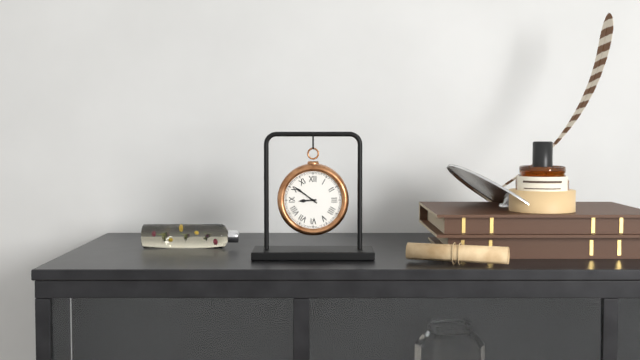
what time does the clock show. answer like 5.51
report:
8.51
